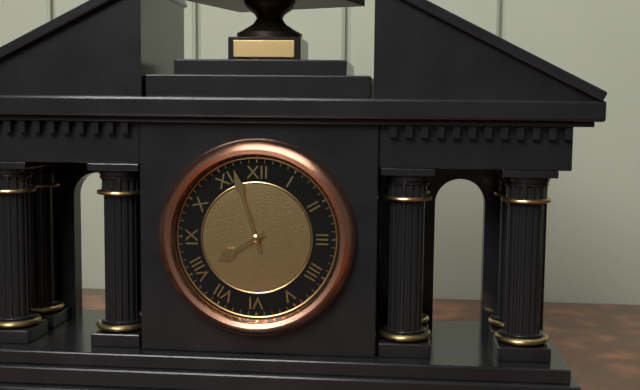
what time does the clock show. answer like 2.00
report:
7.57
